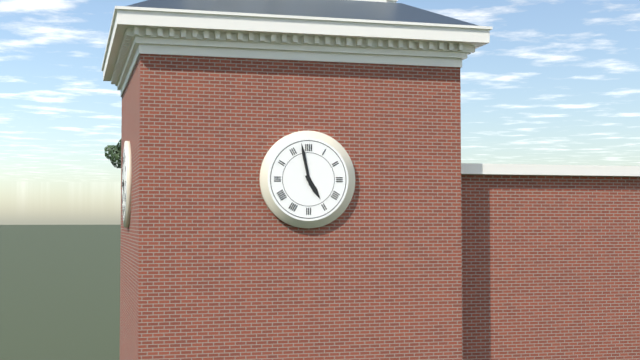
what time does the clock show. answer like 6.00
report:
4.58
